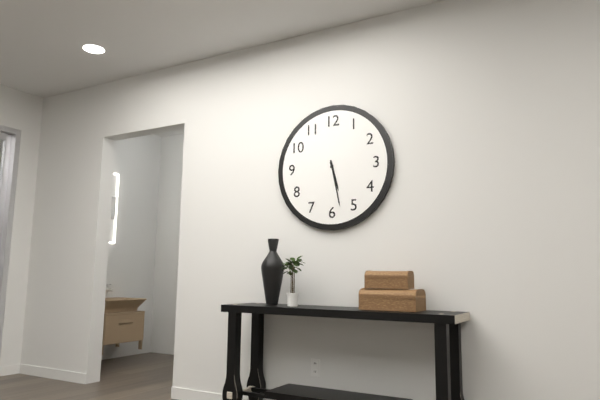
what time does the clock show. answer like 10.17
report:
5.28
